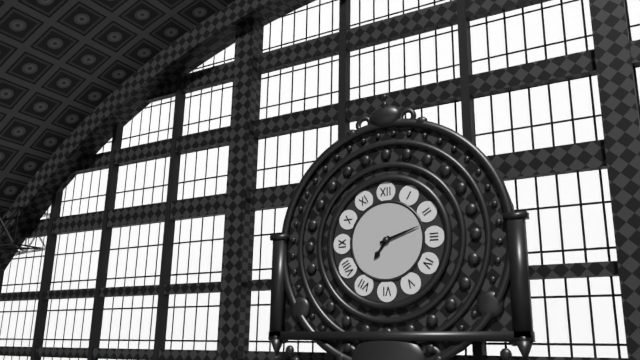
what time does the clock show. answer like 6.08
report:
7.12
